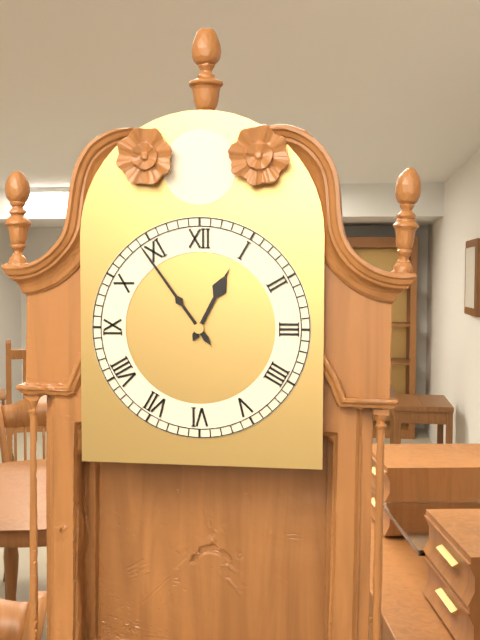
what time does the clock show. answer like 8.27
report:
12.54
